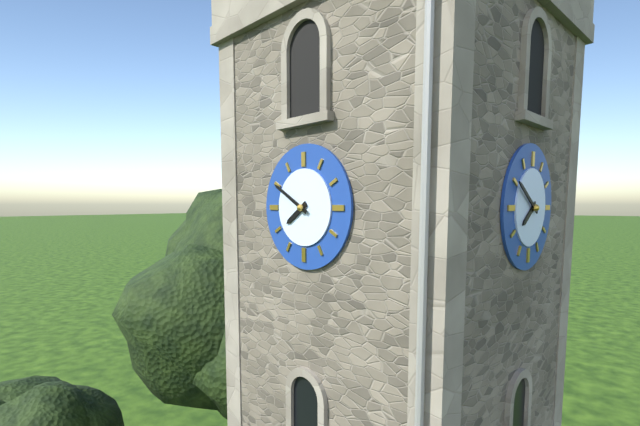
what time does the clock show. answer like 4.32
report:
7.50
